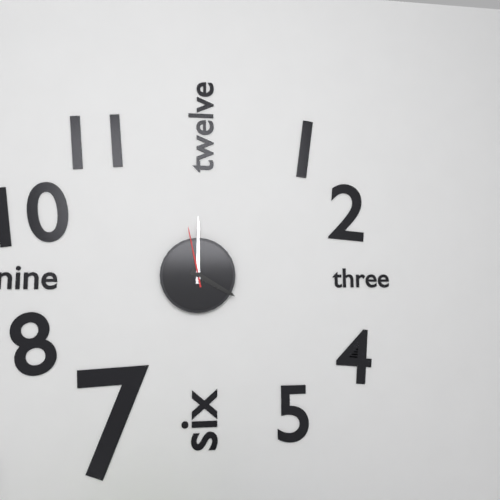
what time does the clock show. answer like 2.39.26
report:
4.00.58
